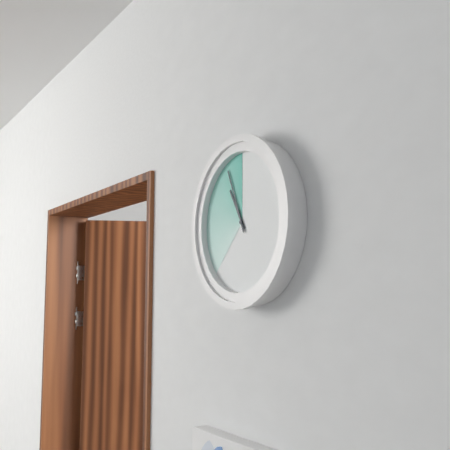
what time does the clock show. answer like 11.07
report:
10.56
